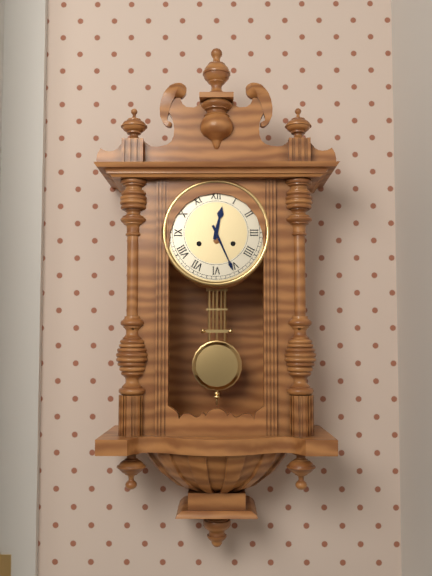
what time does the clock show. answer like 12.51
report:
12.26
